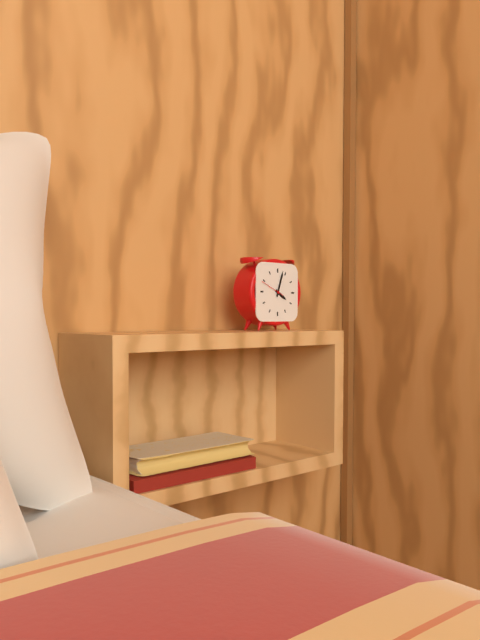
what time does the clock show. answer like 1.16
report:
4.03
